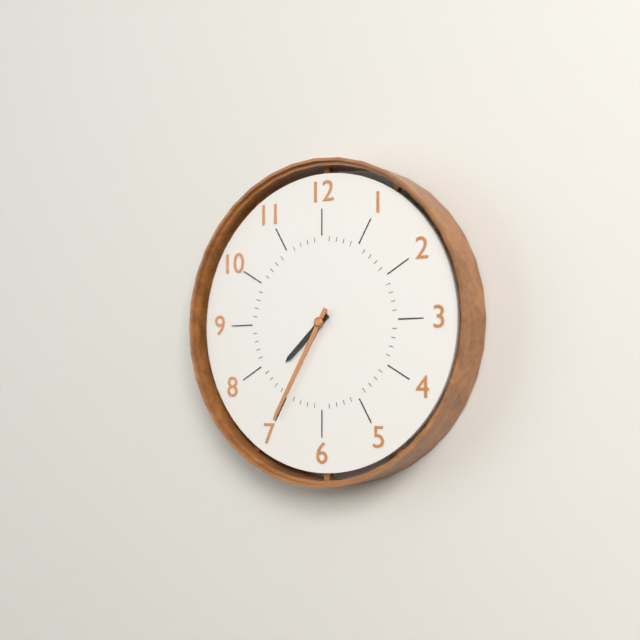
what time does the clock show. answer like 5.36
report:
7.35
